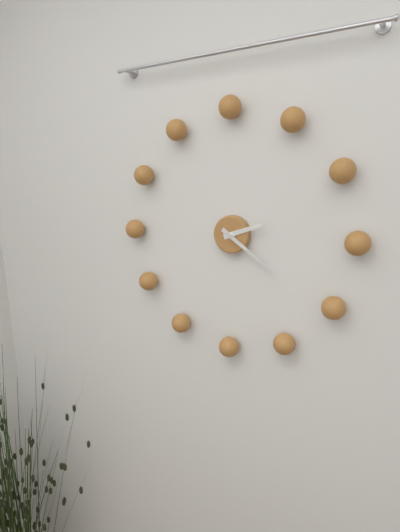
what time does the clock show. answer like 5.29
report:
2.21
